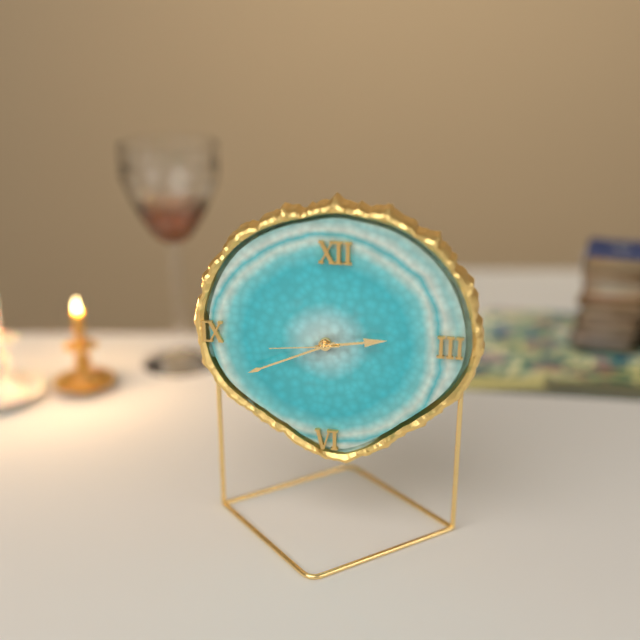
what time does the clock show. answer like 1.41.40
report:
2.41.44
